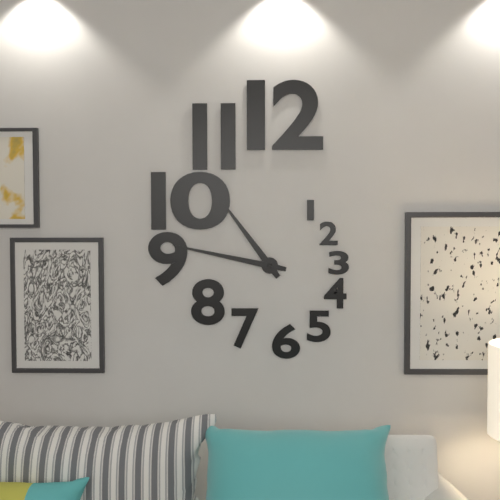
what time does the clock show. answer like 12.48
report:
10.47
